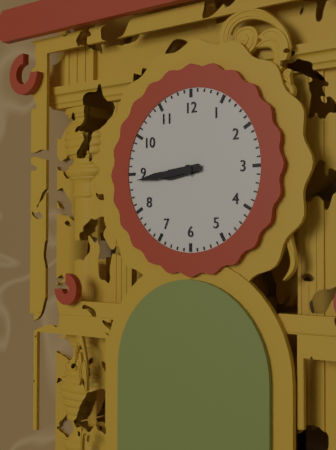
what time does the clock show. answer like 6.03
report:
8.44
